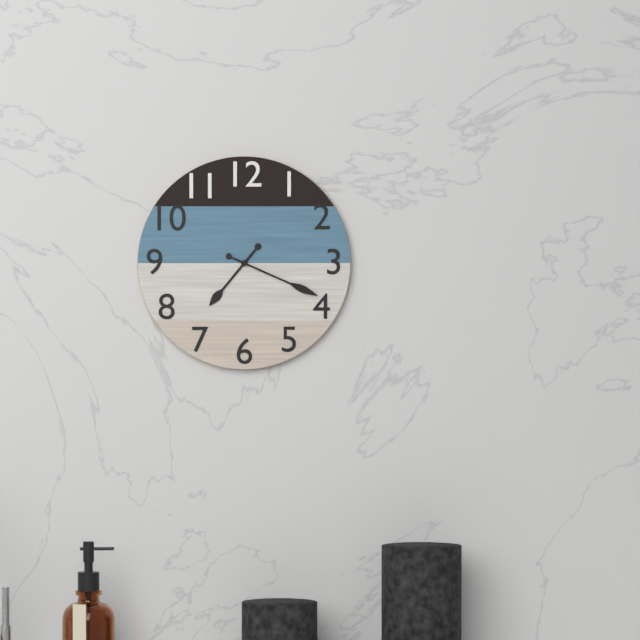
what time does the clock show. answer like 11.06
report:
7.19
